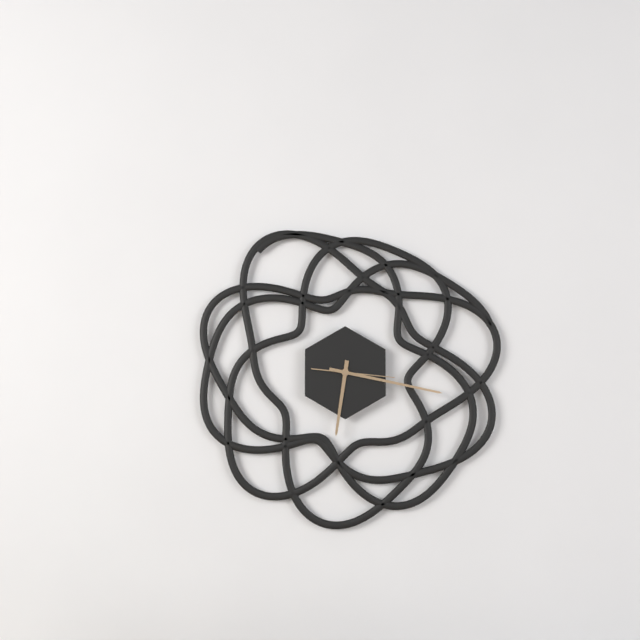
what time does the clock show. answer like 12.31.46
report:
6.17.16
